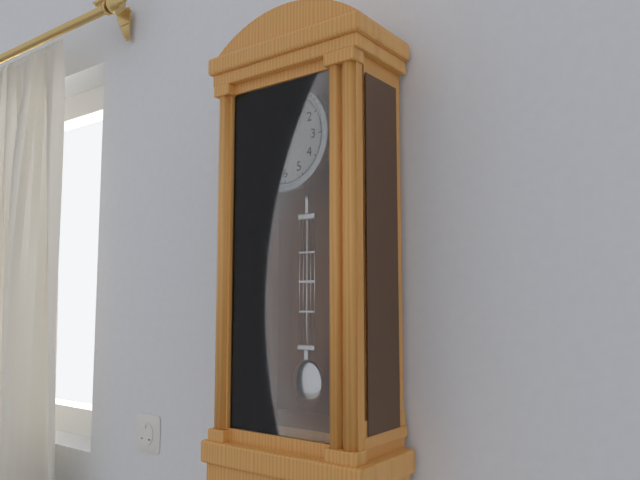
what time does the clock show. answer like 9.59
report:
11.06
